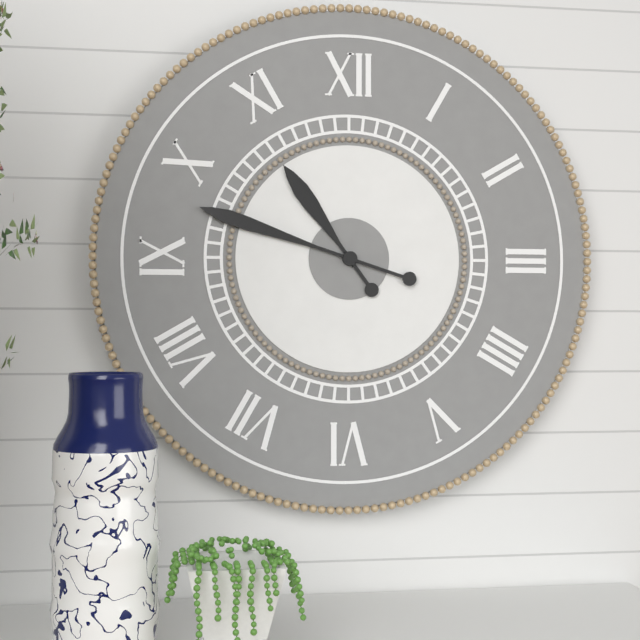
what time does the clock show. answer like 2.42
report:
10.48
